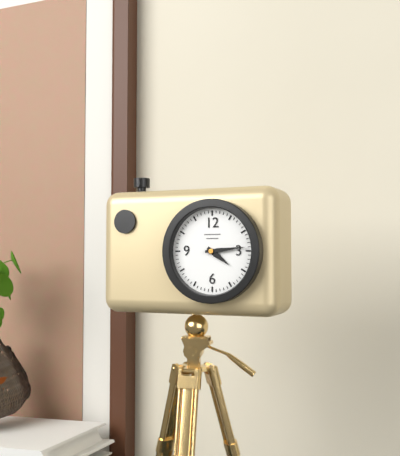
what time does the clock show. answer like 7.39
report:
4.14
